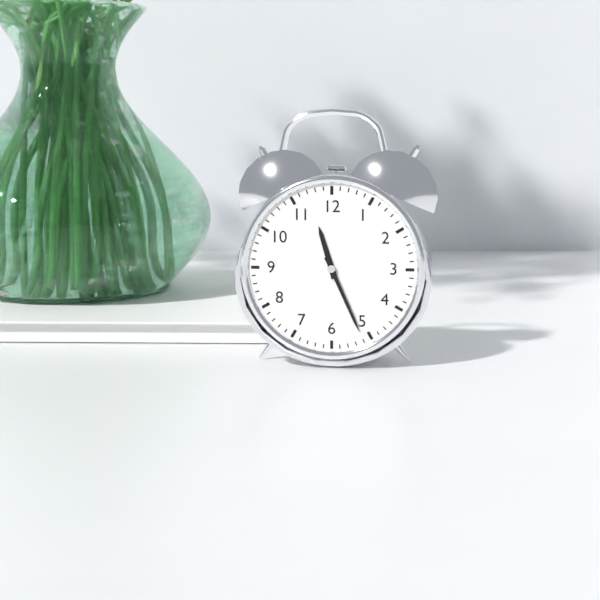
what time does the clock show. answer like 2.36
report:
11.26
